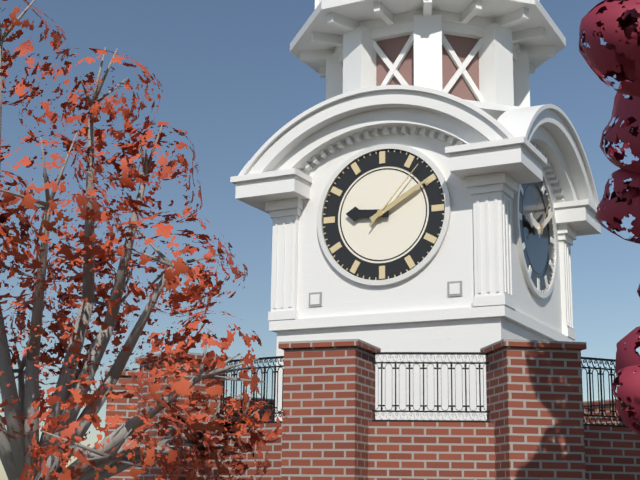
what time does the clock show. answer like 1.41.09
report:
9.10.07
